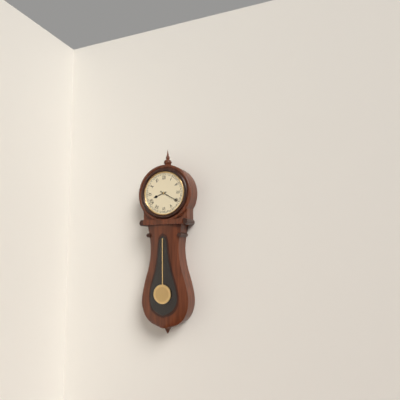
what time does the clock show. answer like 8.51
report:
8.20
